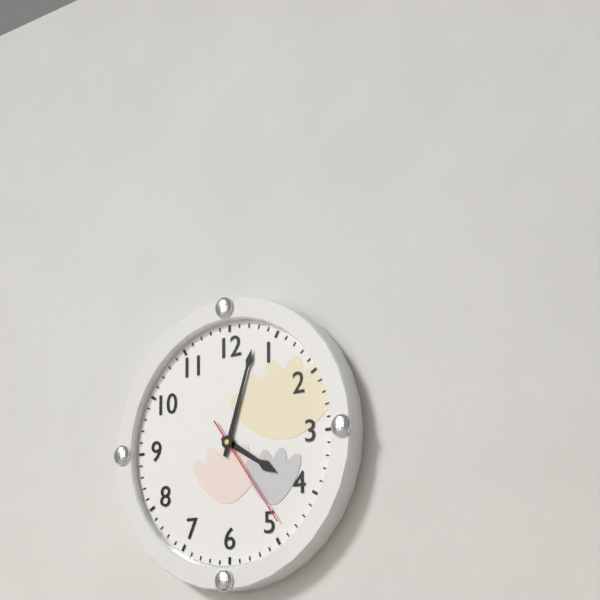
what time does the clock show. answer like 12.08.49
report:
4.03.24
